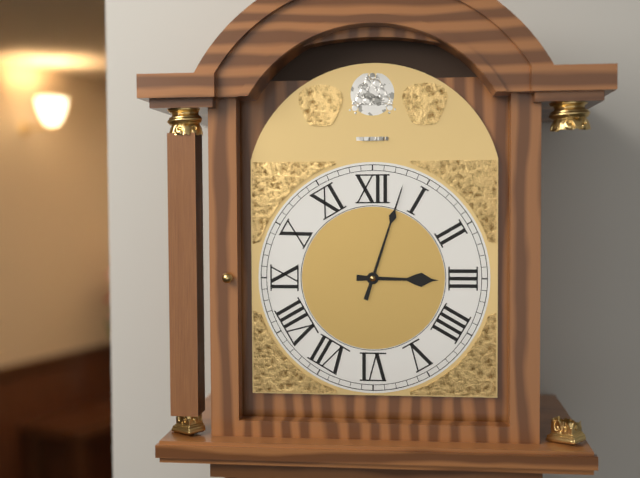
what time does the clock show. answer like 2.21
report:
3.03
